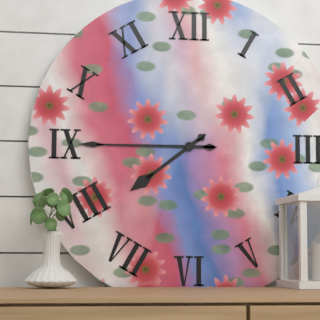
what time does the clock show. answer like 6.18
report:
7.45
